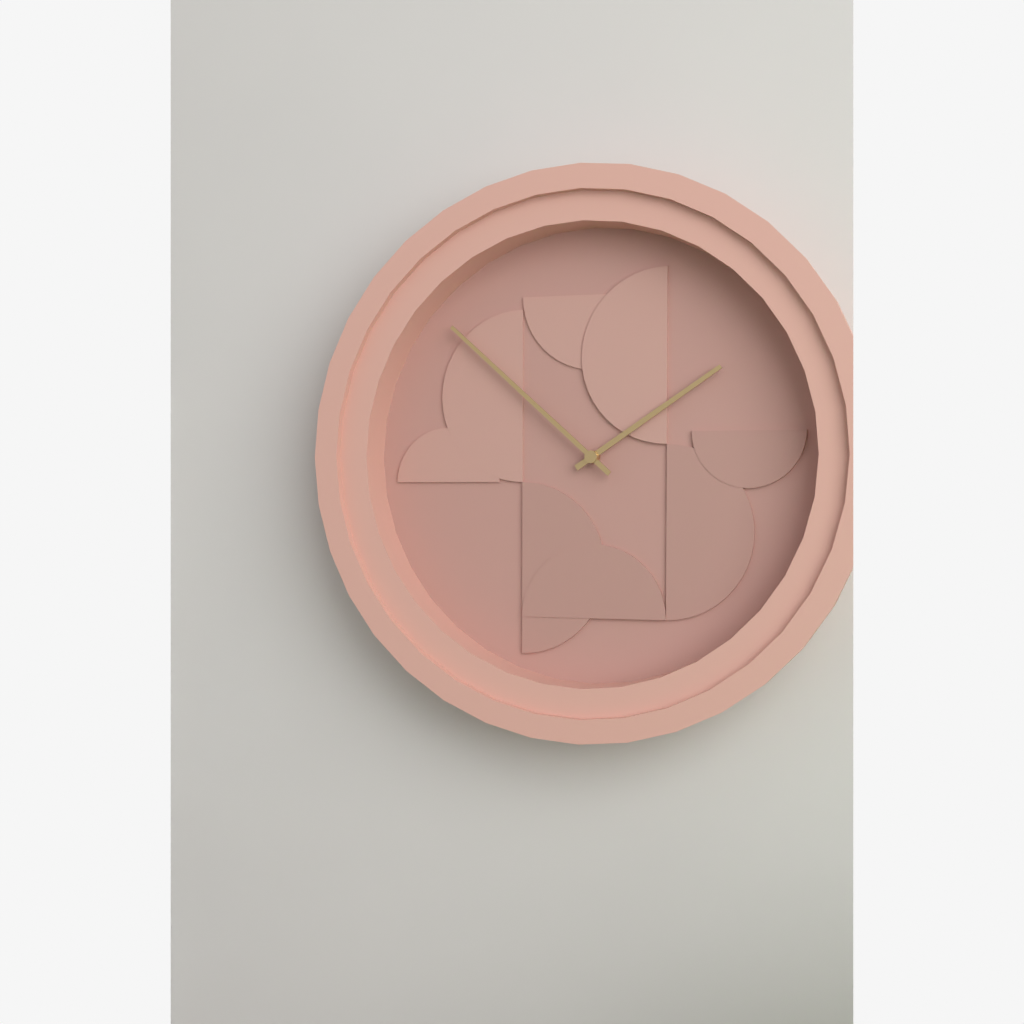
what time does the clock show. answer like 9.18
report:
1.52
